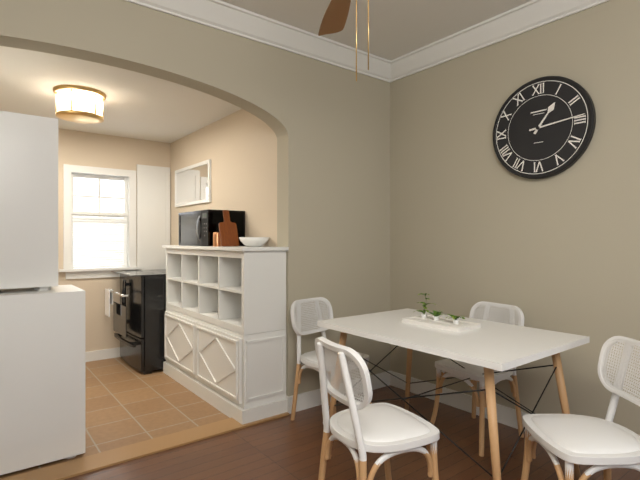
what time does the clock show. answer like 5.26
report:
1.14
